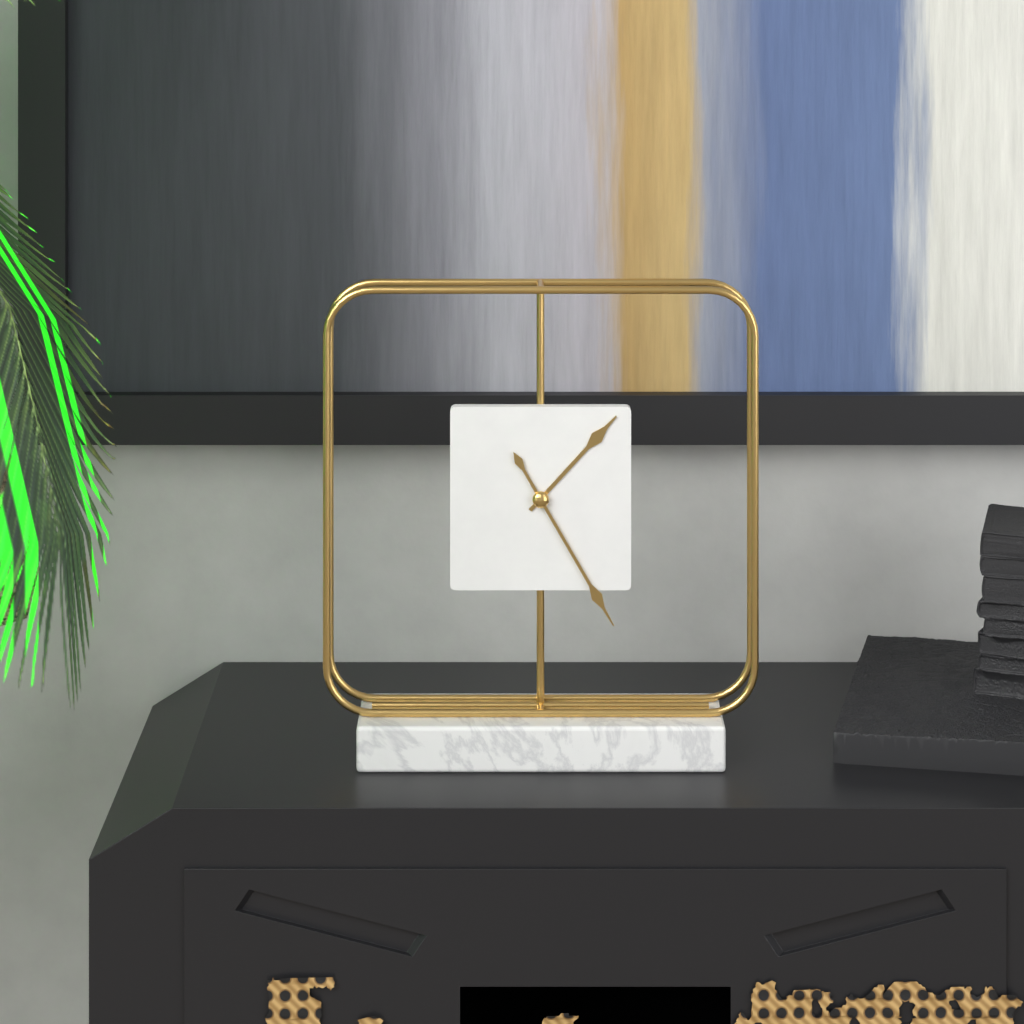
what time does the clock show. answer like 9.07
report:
1.25
